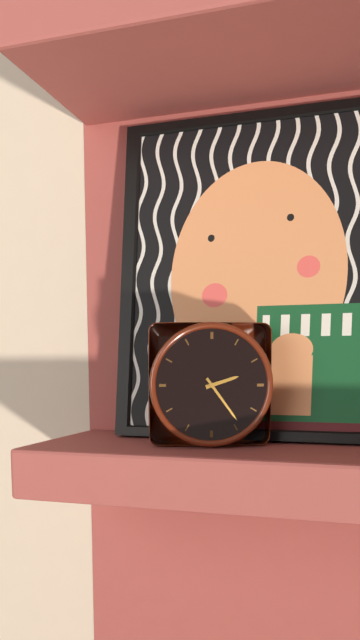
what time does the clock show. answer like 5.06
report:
2.24
